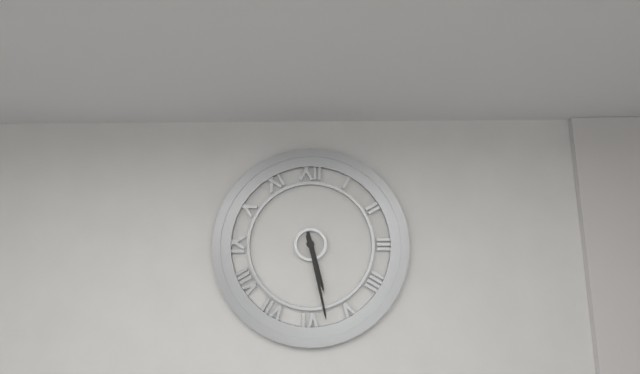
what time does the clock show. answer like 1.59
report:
5.28
